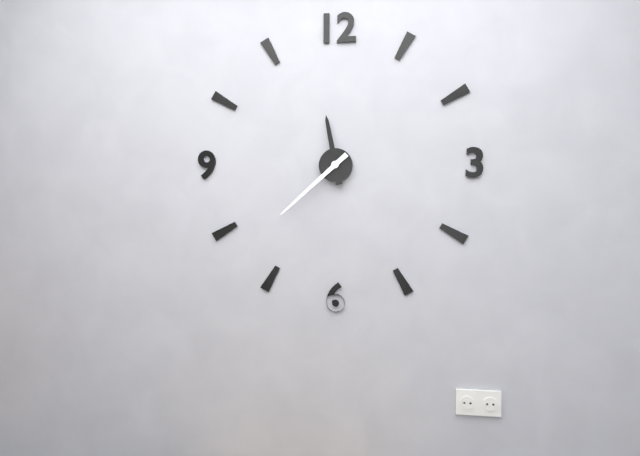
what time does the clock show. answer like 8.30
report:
11.38
